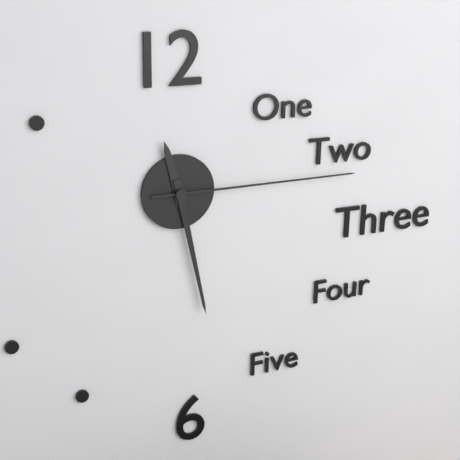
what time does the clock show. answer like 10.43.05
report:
11.28.15
